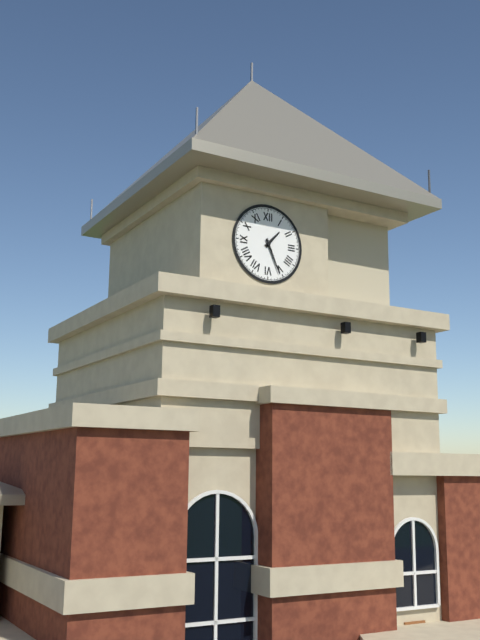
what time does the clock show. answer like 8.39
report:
1.26
